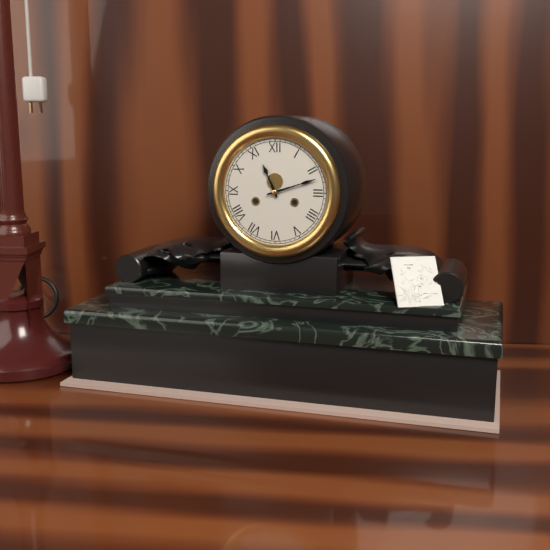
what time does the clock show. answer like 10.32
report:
11.12
